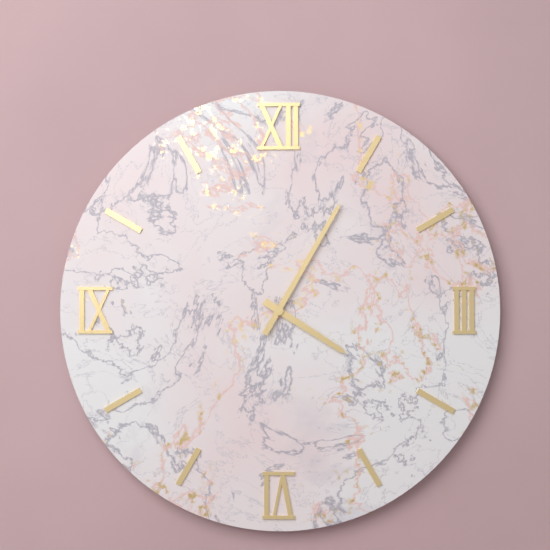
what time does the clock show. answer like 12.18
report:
4.05
